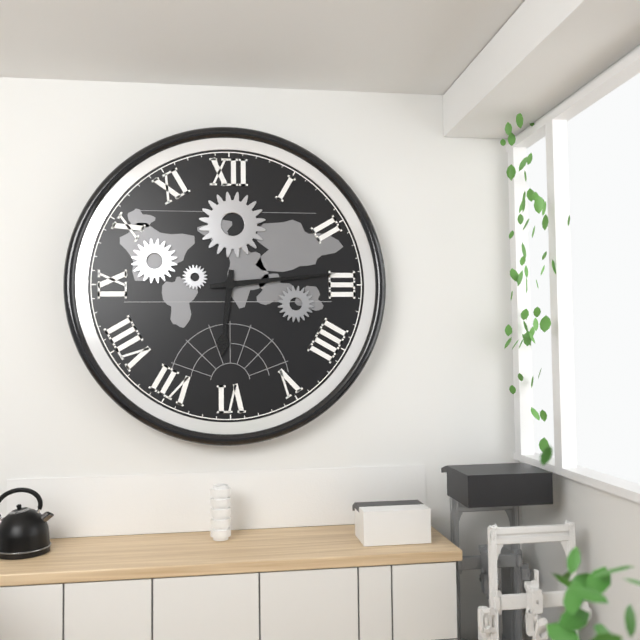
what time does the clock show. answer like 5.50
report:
6.14
